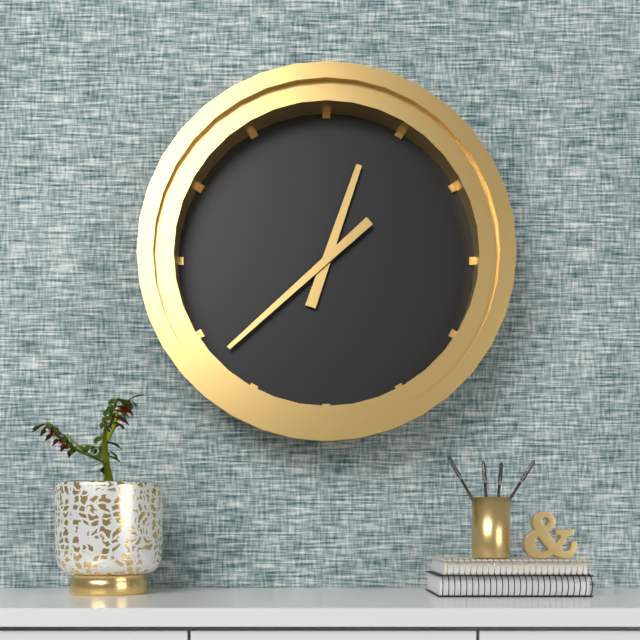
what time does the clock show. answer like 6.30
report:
12.38
